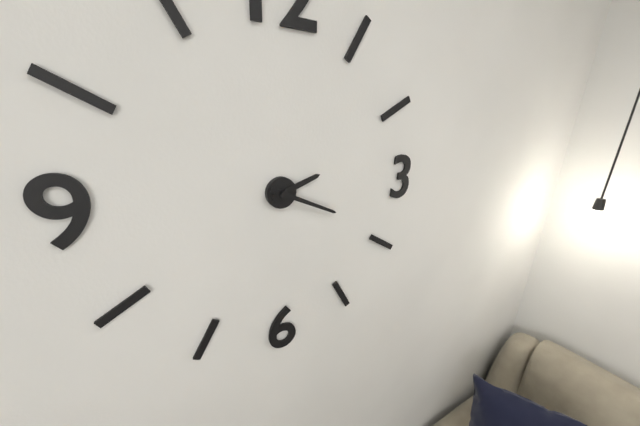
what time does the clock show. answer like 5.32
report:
2.19
